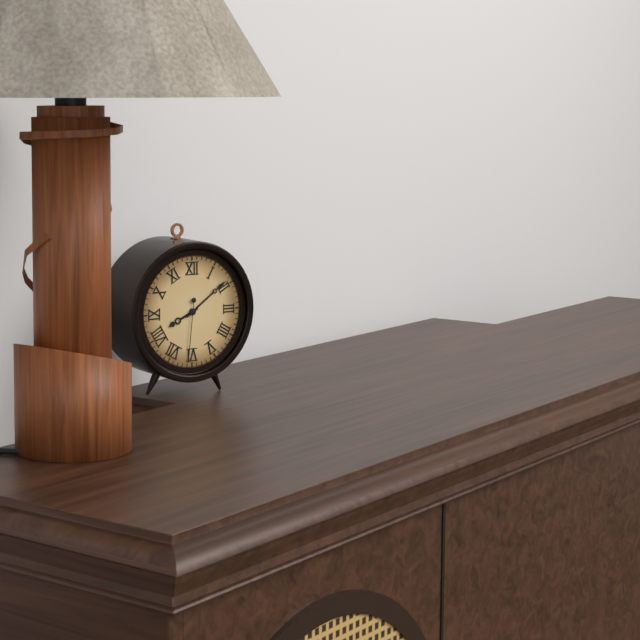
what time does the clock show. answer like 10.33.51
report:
8.09.31
